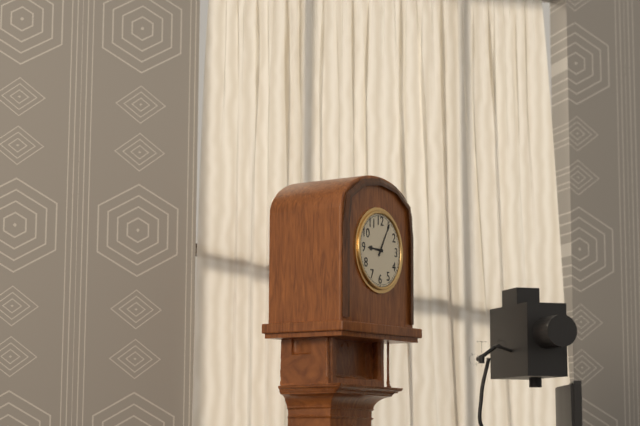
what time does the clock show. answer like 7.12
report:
9.05
